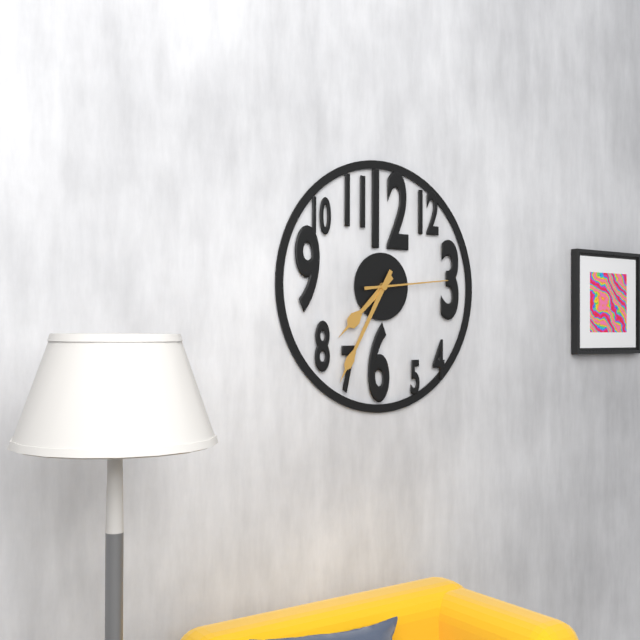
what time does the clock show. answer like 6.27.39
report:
7.35.14
